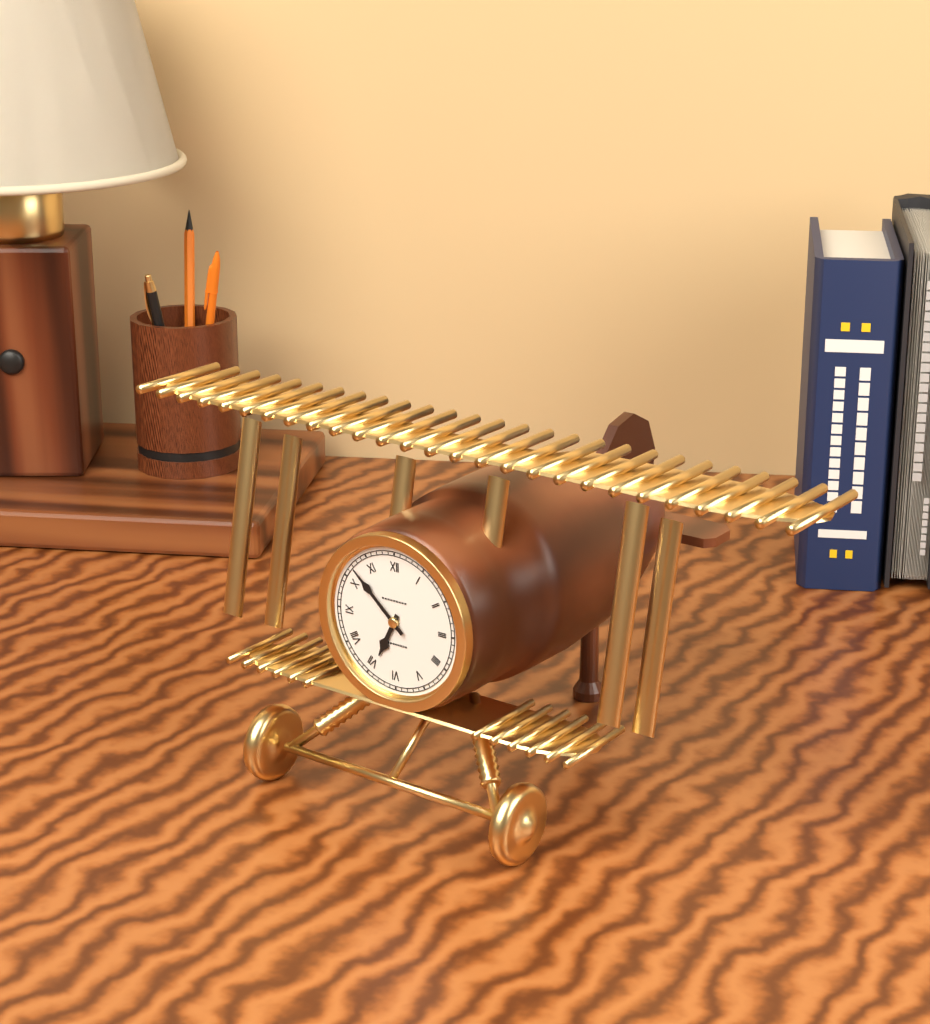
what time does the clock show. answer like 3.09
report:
6.52
